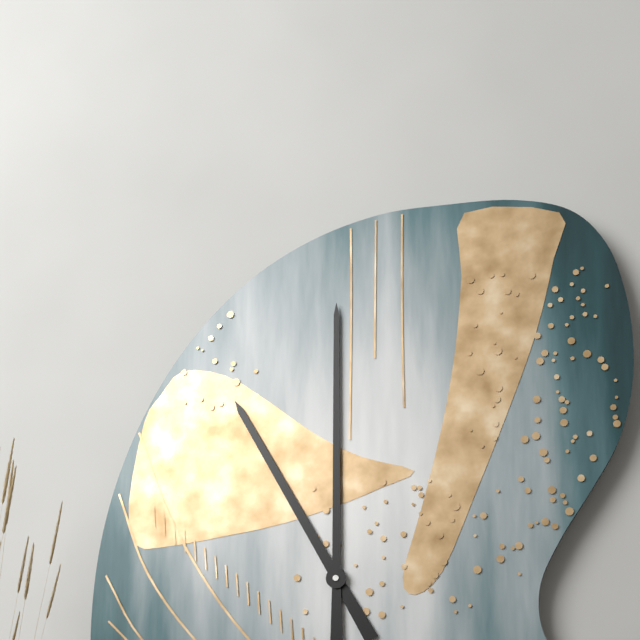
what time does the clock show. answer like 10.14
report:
11.00
